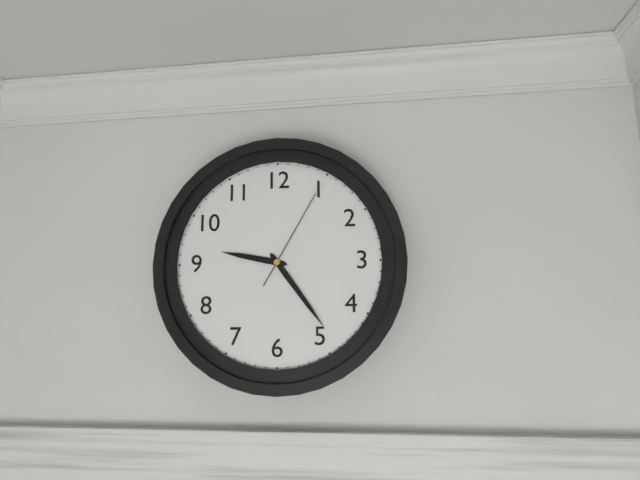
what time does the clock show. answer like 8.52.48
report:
9.24.05
